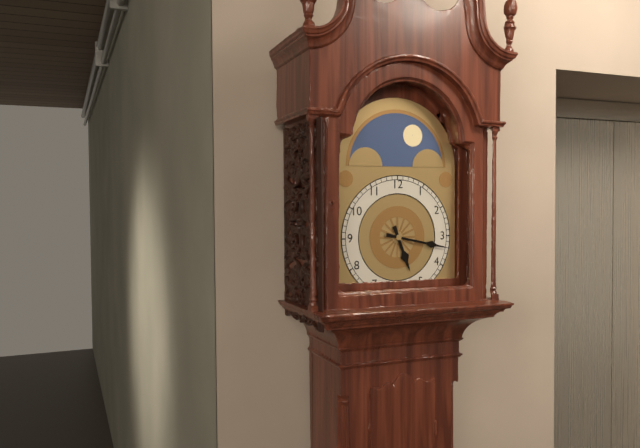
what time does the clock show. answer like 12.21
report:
5.17
